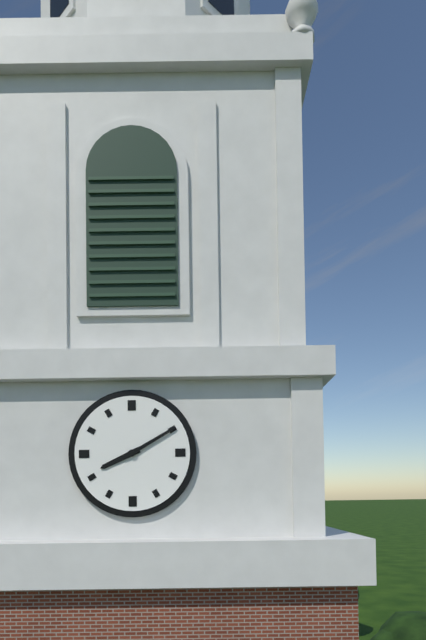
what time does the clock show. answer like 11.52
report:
8.10
